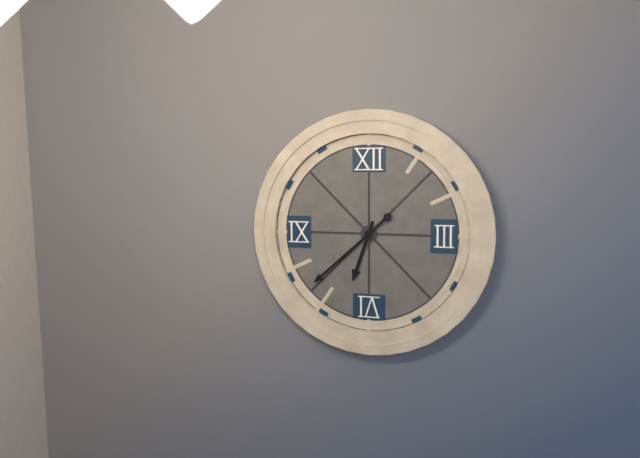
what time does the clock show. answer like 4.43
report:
6.38
